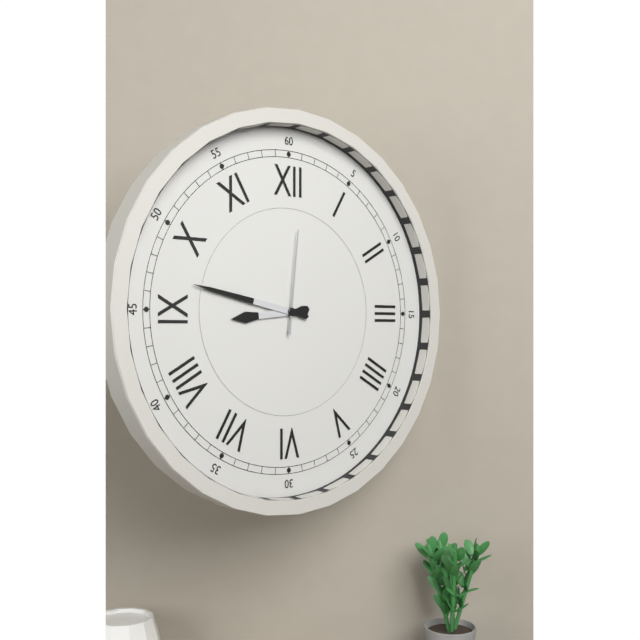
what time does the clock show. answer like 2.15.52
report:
8.47.01
